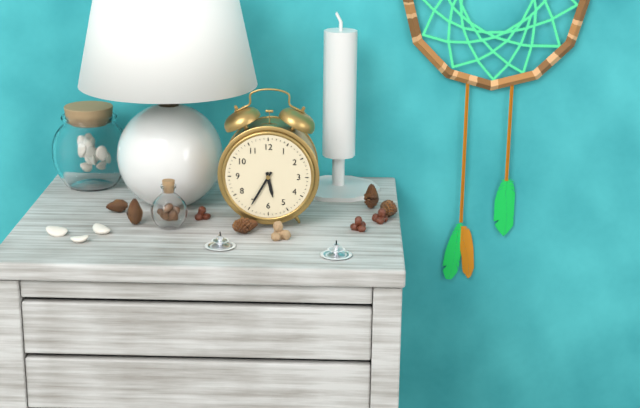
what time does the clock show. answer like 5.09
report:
5.35
